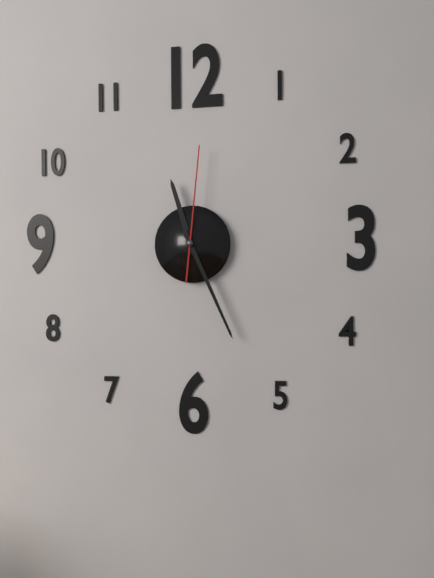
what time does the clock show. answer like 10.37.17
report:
11.26.01
